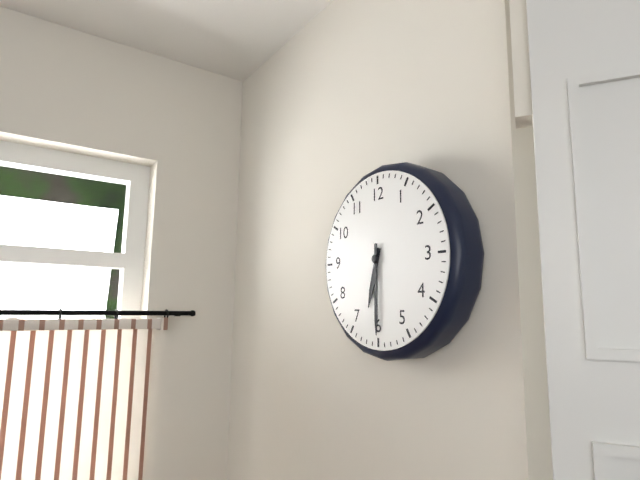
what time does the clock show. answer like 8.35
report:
6.30
